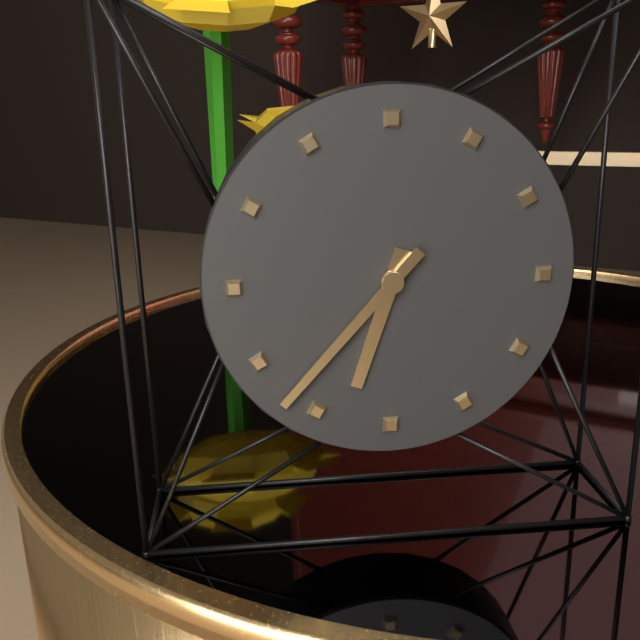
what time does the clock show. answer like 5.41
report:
6.37
